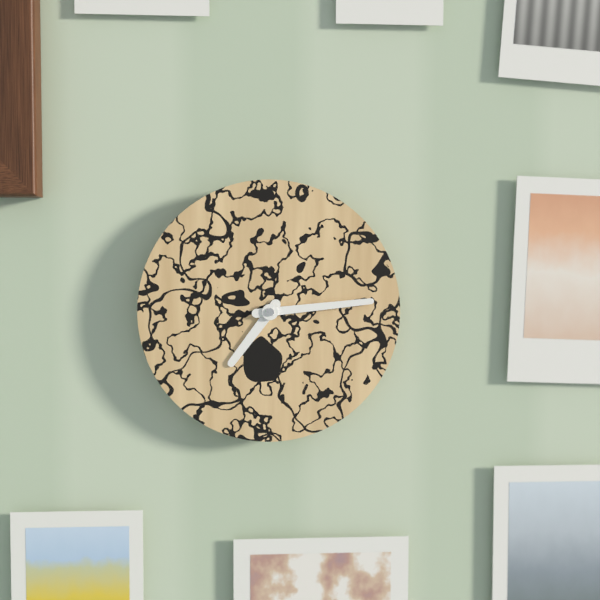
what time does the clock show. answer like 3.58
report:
7.14
